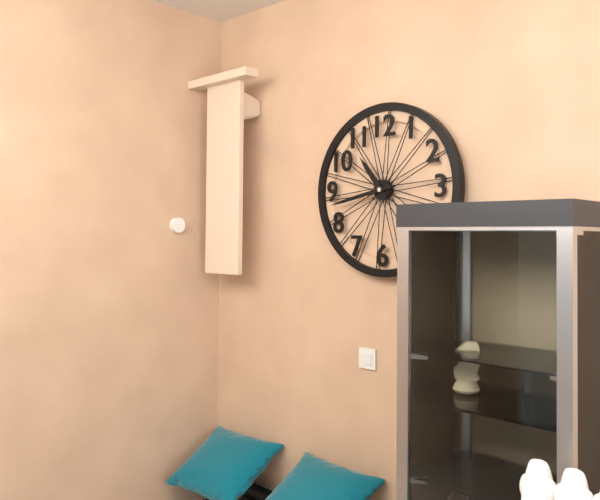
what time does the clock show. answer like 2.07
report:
10.43
